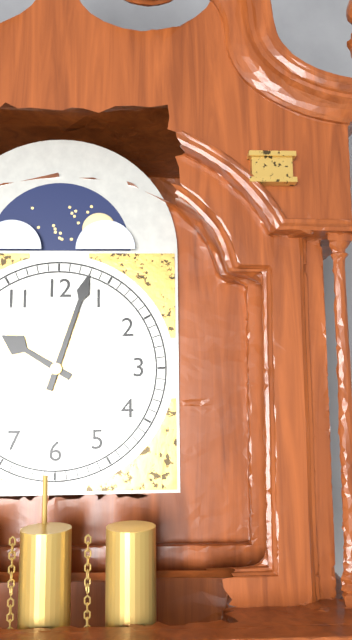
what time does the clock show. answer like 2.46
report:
10.03
